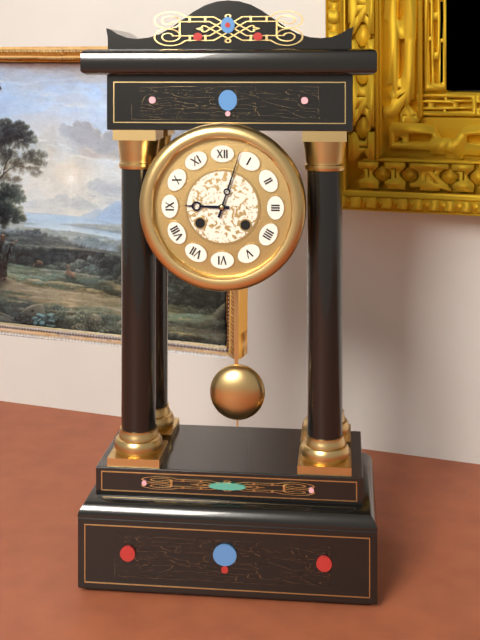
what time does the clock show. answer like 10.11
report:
9.03
